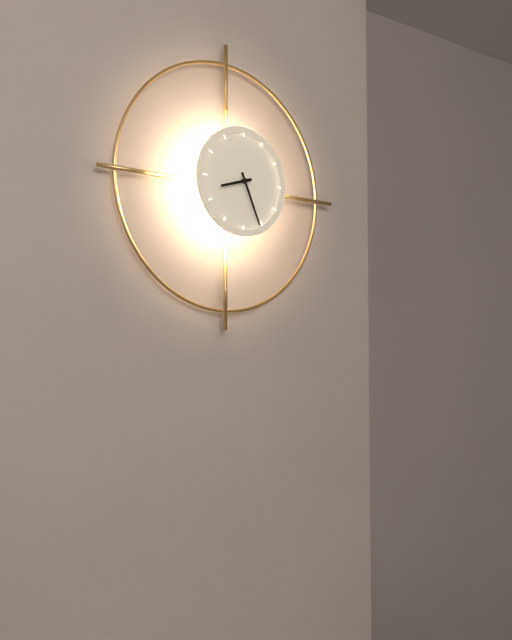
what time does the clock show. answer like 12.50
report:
8.26
